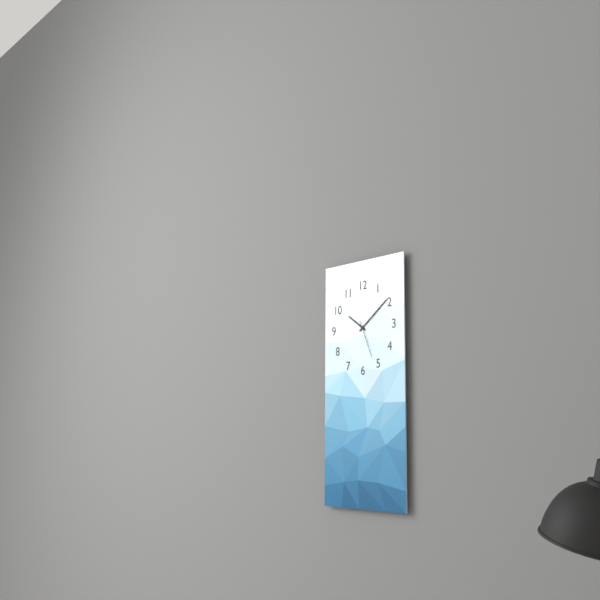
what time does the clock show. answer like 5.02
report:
10.09
